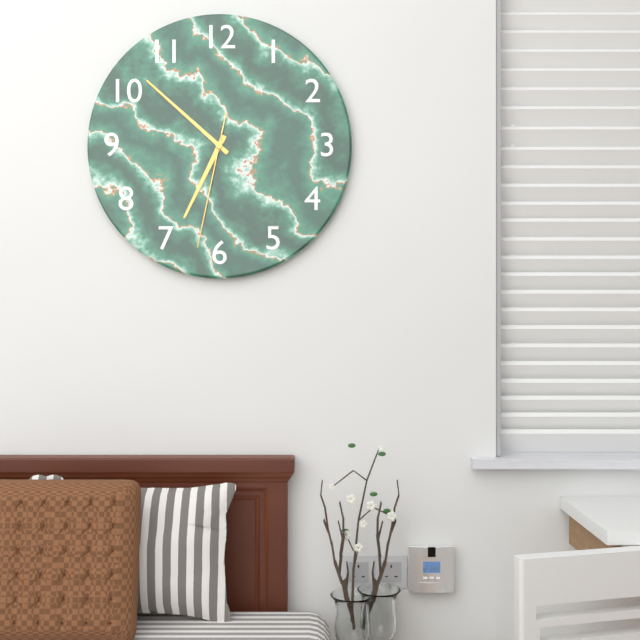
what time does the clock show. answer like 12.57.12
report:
6.52.32
